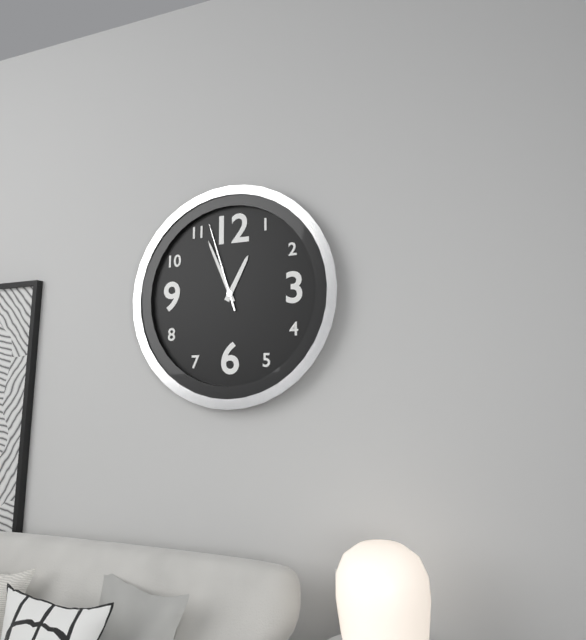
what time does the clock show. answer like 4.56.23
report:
12.56.57
